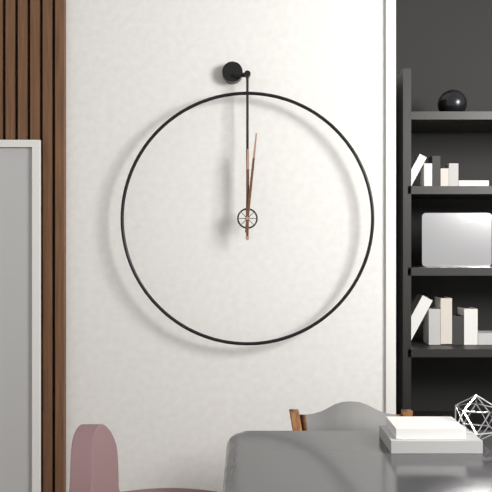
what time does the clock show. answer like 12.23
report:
12.01
